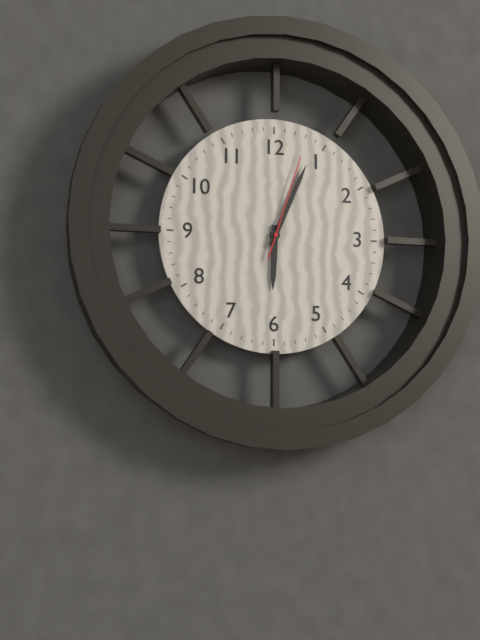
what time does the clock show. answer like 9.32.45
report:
6.04.03
